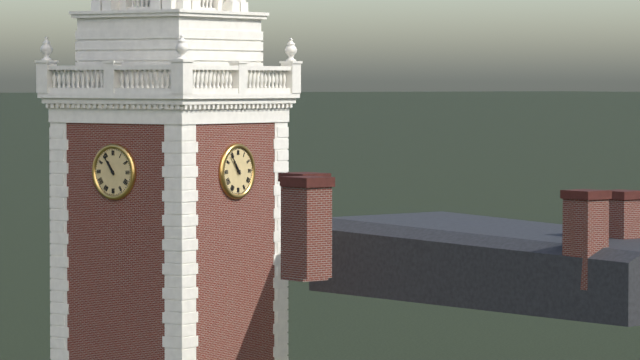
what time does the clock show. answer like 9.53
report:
10.54
